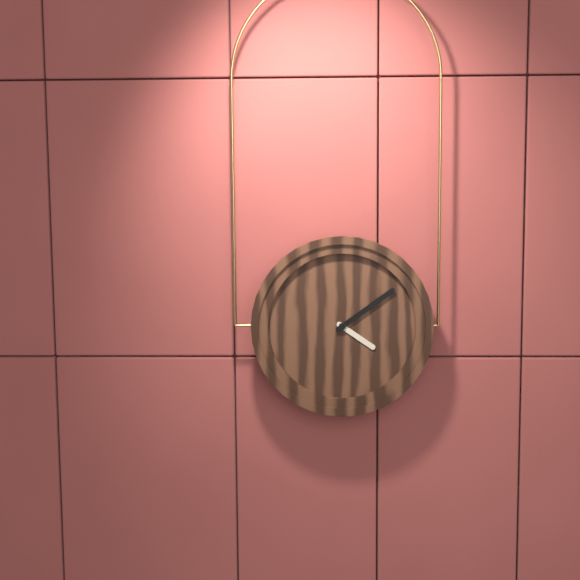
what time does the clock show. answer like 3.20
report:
4.09
